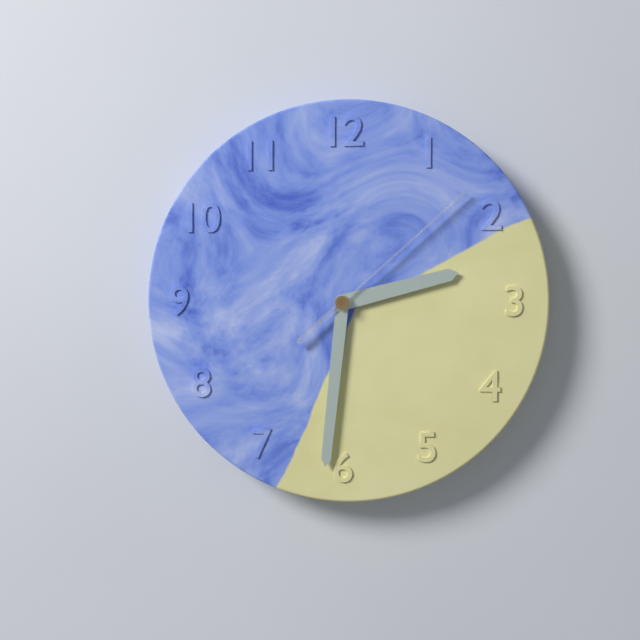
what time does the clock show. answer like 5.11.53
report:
2.31.08
